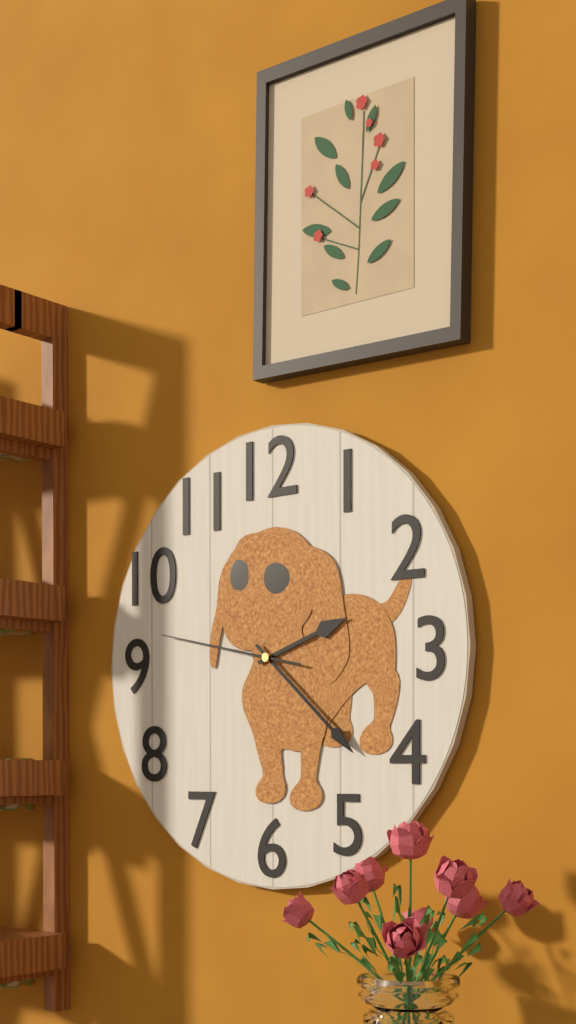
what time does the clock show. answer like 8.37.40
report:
2.22.47
